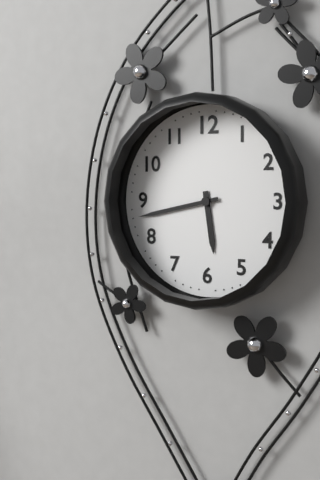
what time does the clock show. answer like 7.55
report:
5.43
